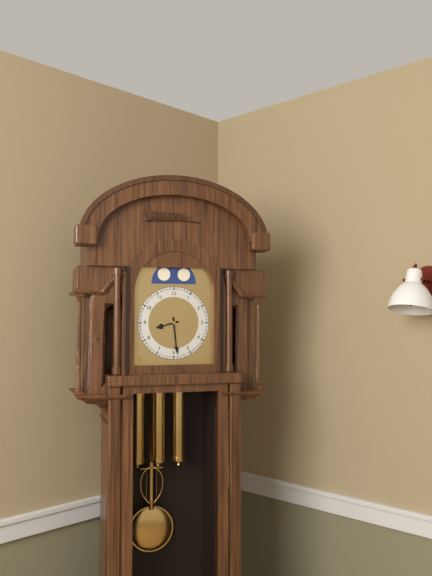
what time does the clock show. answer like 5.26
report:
8.29
